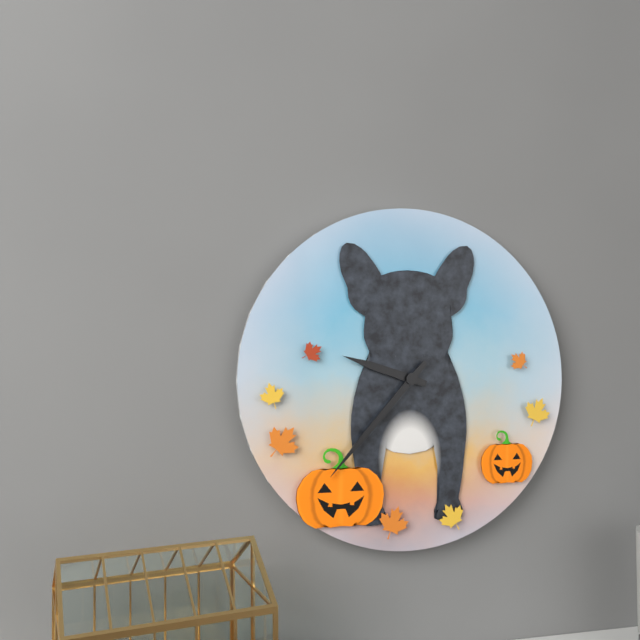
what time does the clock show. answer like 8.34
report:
9.37
